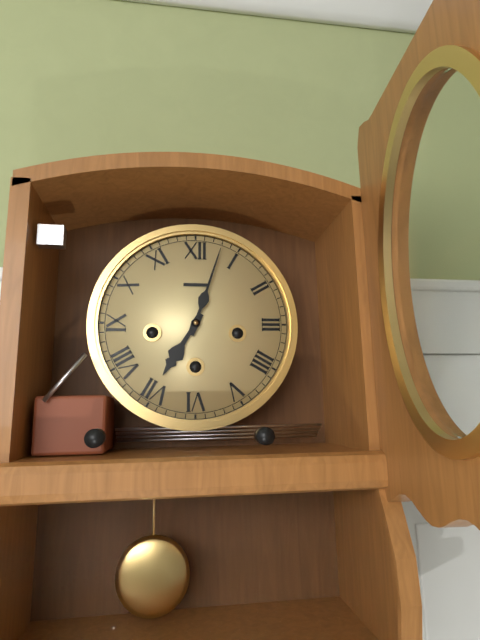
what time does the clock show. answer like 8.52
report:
7.03
